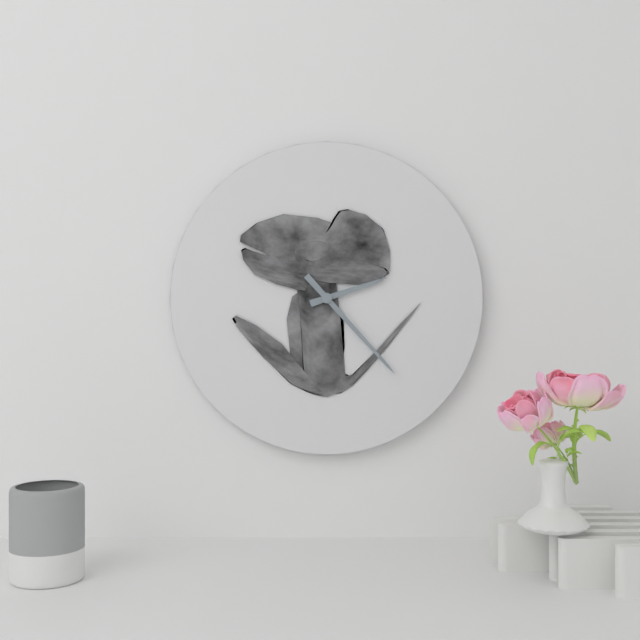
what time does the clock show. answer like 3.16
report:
2.23
